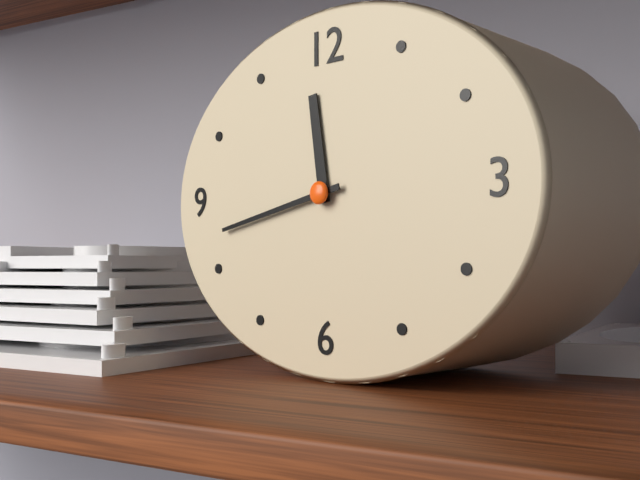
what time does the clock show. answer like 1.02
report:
11.43
